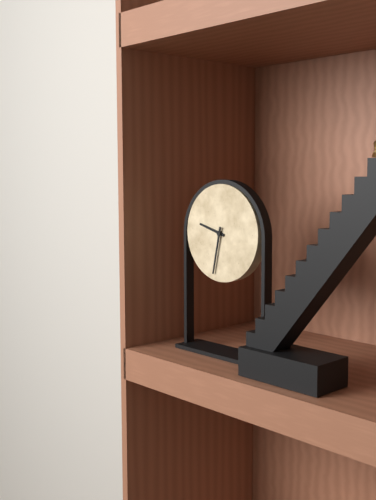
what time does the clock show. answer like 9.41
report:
9.32
